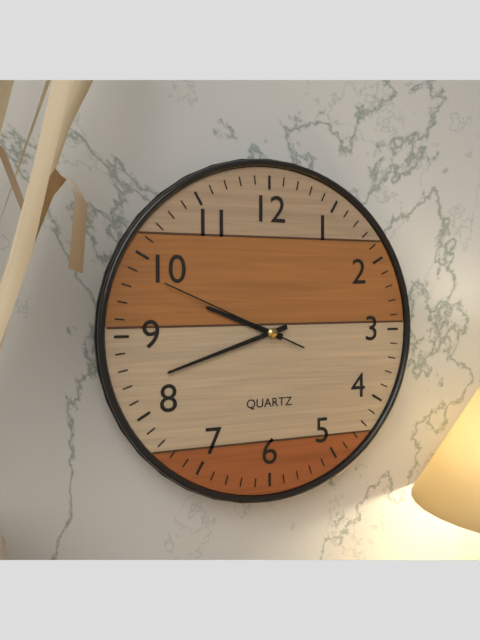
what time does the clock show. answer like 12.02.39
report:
9.42.49
